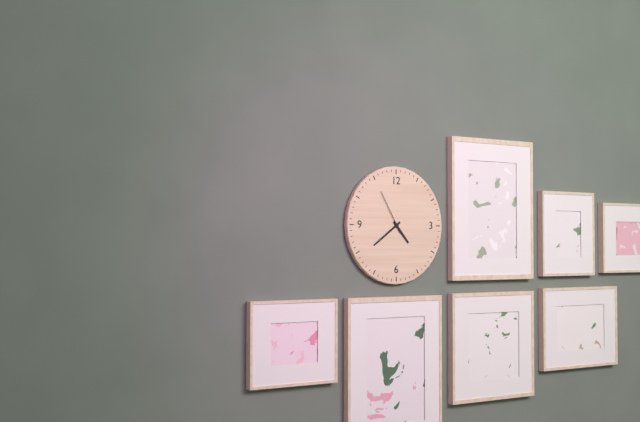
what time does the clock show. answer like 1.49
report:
4.39
